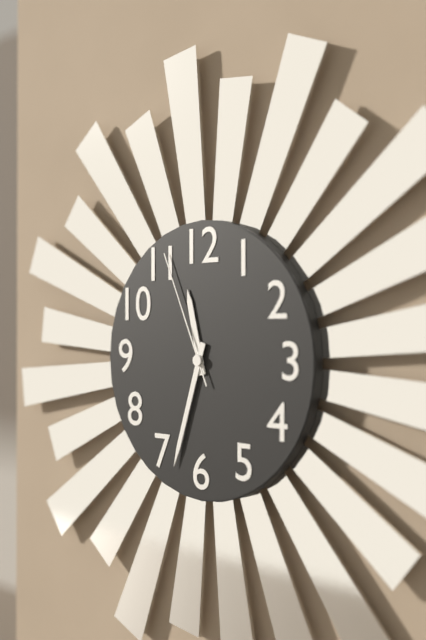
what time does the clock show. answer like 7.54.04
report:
11.33.56
